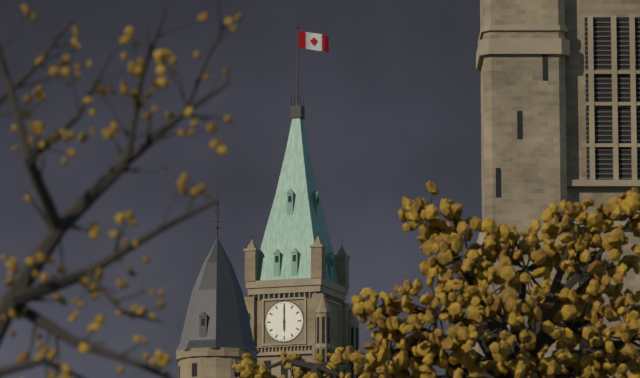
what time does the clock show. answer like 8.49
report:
6.00
